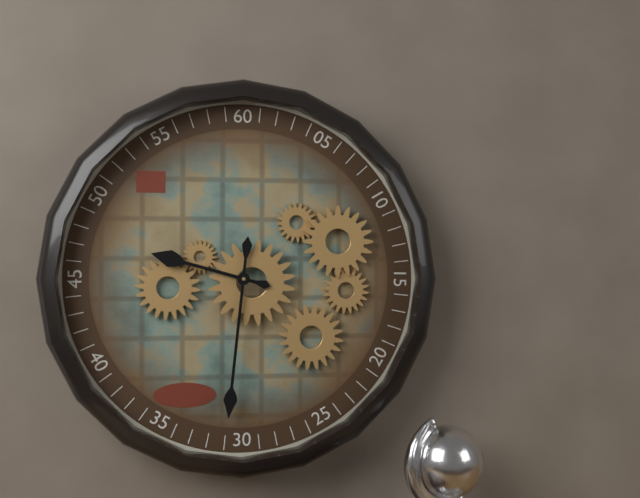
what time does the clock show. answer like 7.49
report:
9.31
